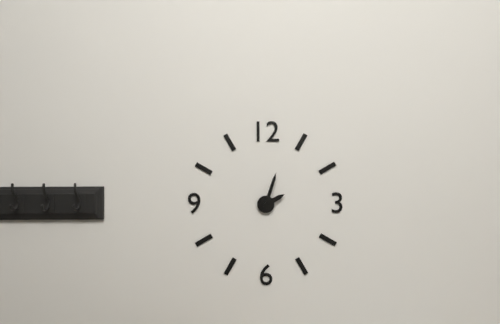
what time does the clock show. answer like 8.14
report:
2.03
